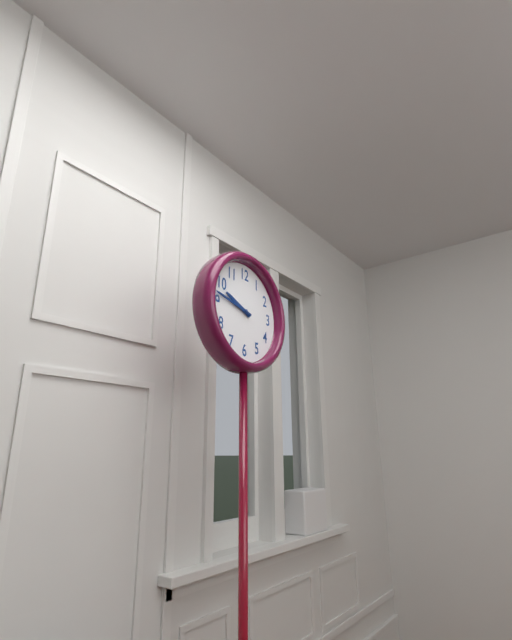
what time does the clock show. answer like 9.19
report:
9.47
